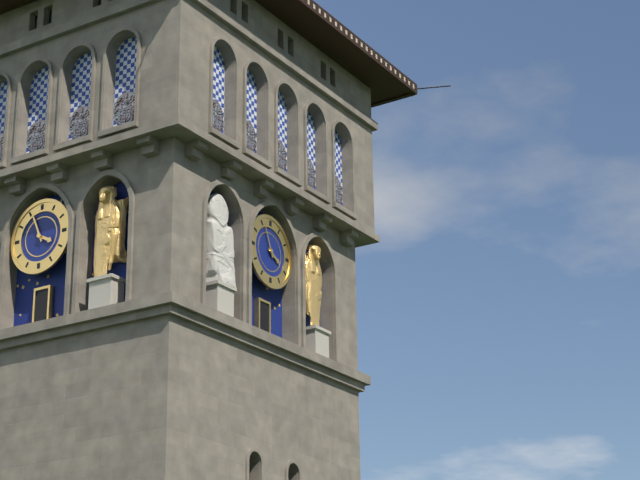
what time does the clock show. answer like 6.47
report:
3.56
